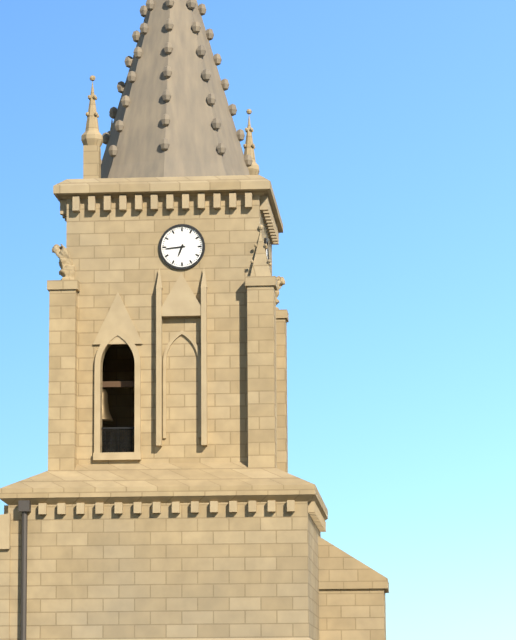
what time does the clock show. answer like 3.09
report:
6.44
